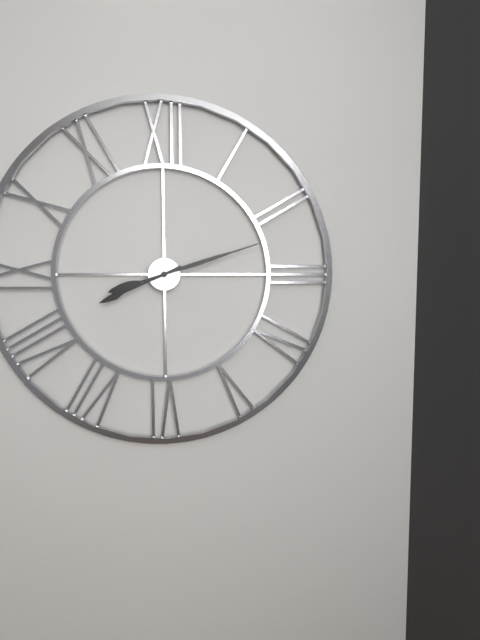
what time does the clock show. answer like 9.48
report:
8.12
